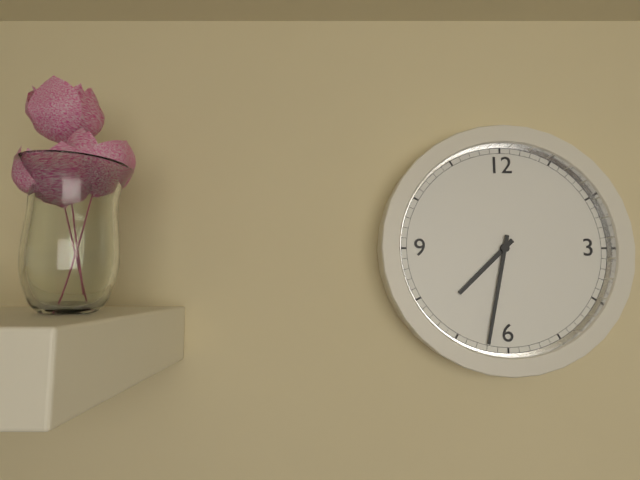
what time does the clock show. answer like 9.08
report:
7.32
